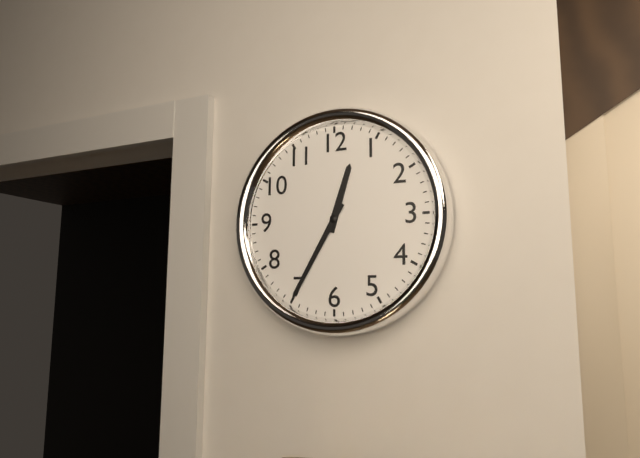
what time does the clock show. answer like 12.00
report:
12.35
